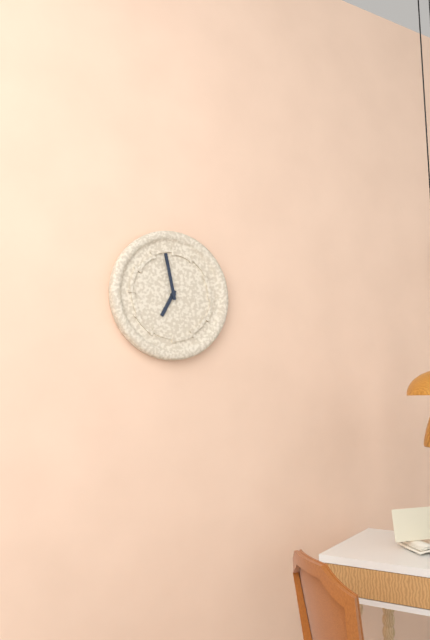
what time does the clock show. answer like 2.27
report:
6.58
